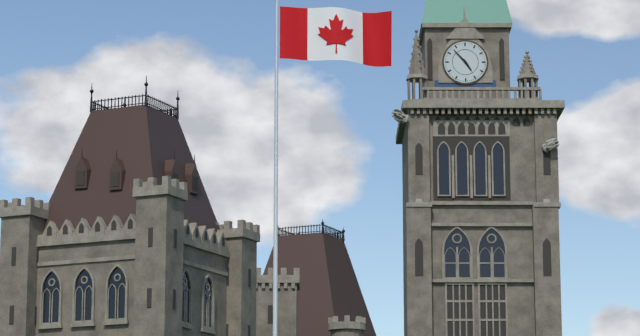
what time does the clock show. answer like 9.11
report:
4.53
